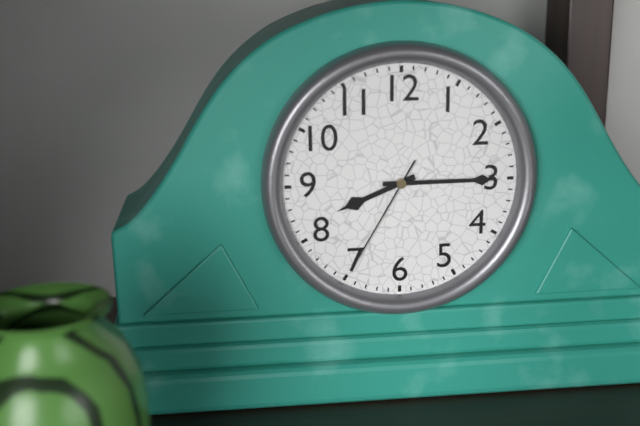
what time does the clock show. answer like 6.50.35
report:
8.15.35
